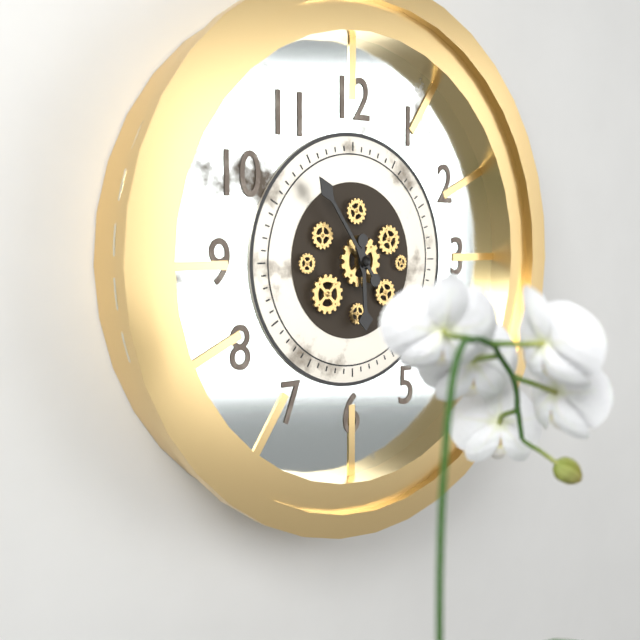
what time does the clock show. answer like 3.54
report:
5.54
